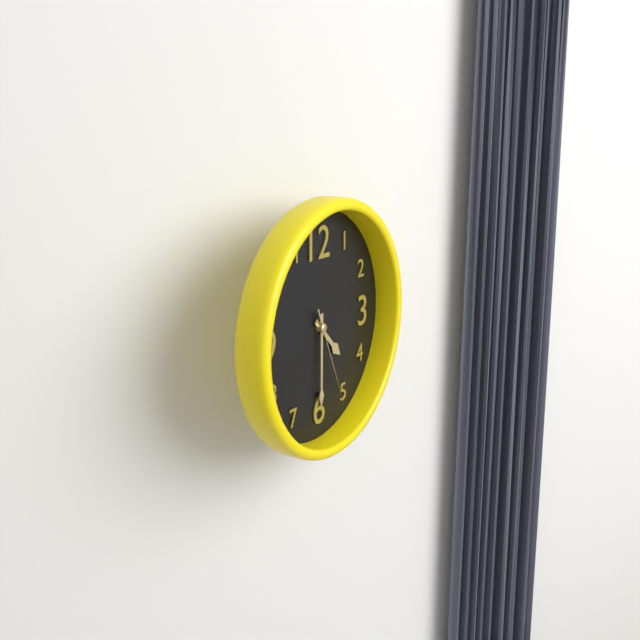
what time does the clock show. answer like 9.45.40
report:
4.30.26
